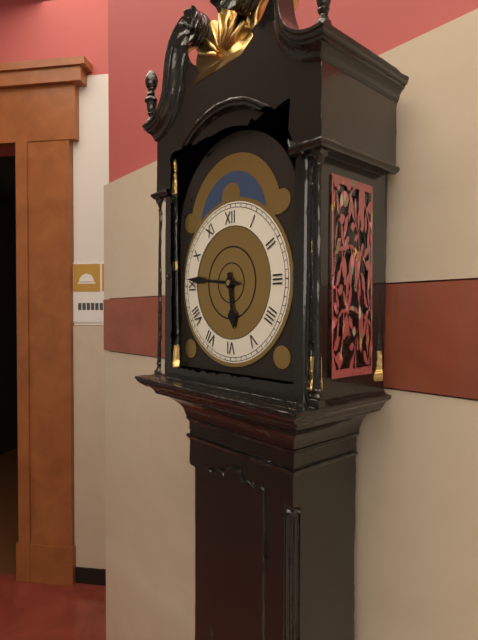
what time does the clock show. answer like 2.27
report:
5.46
